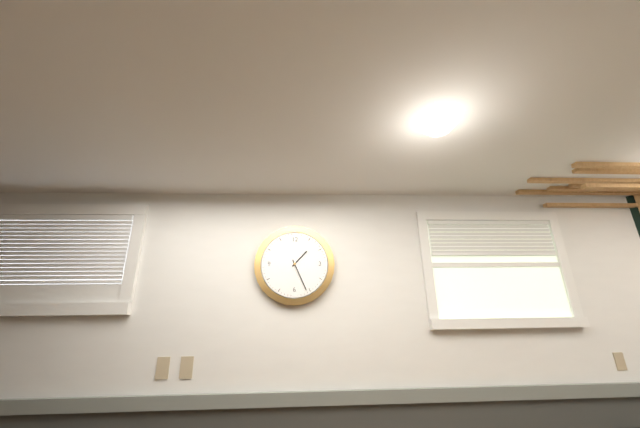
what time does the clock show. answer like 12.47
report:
1.26
